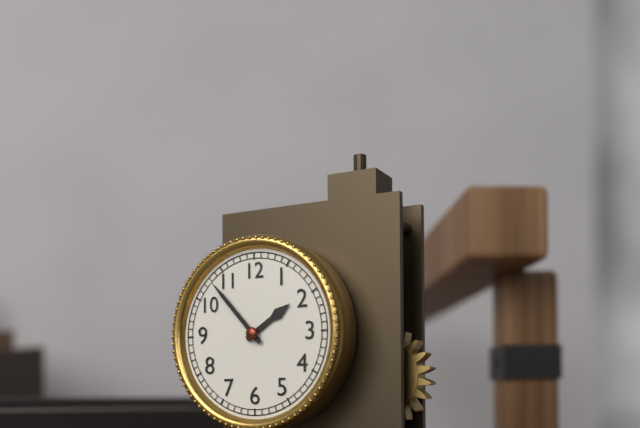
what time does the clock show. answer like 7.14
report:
1.53
